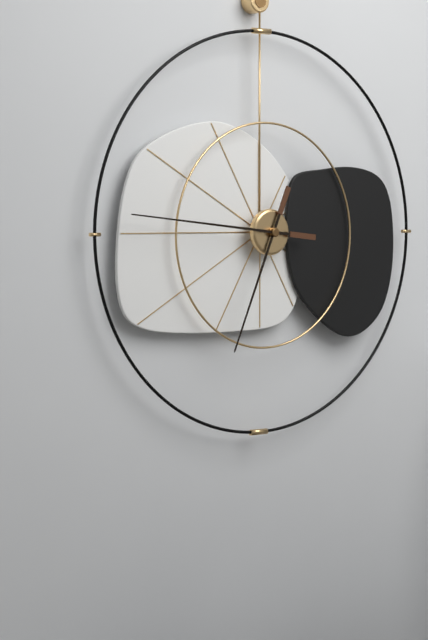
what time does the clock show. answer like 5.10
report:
6.46
